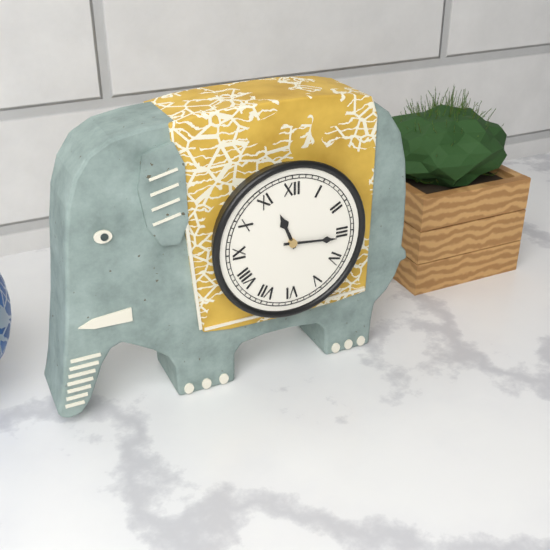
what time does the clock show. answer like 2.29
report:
11.16
